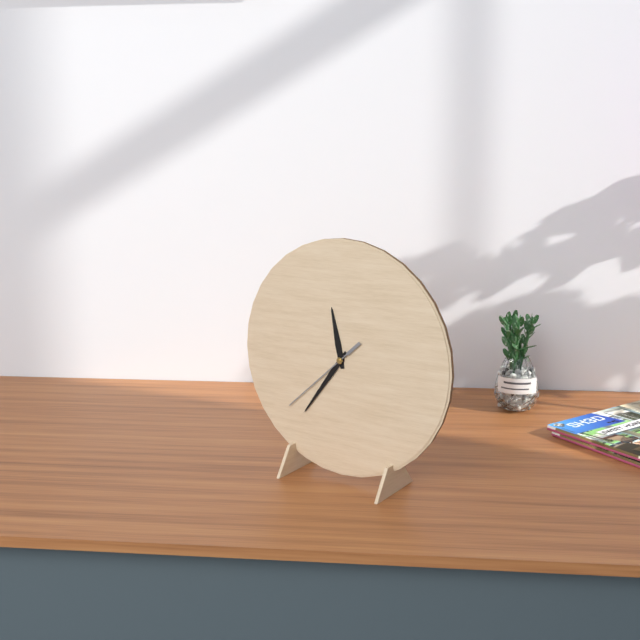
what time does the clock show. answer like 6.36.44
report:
11.36.38
